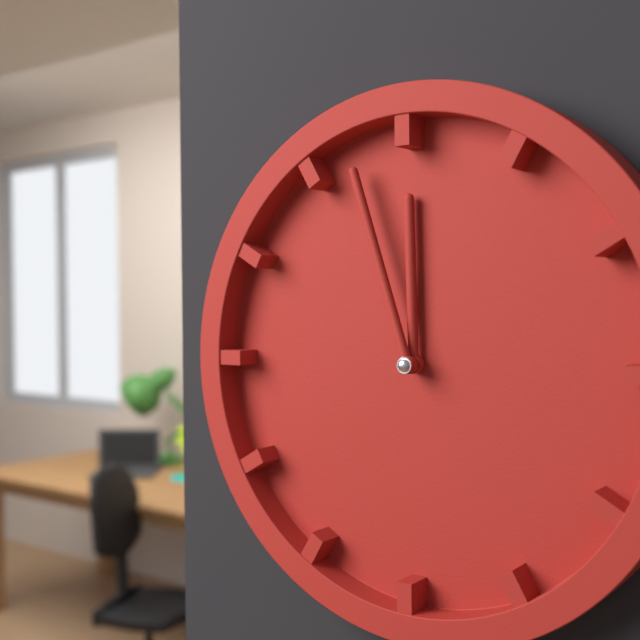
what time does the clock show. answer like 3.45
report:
11.57
